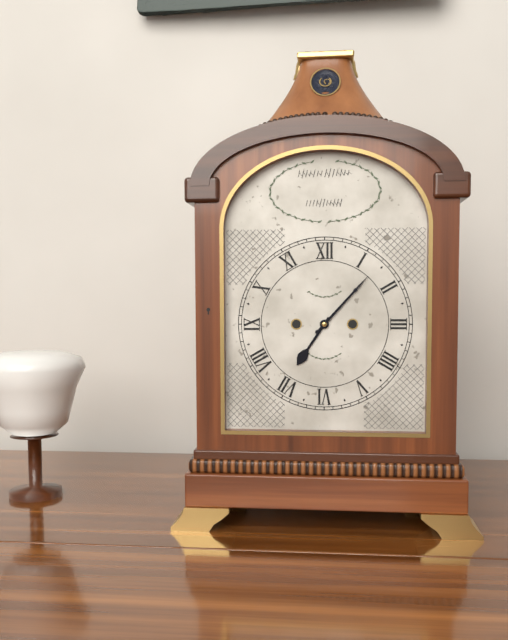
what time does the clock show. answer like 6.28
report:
7.07
